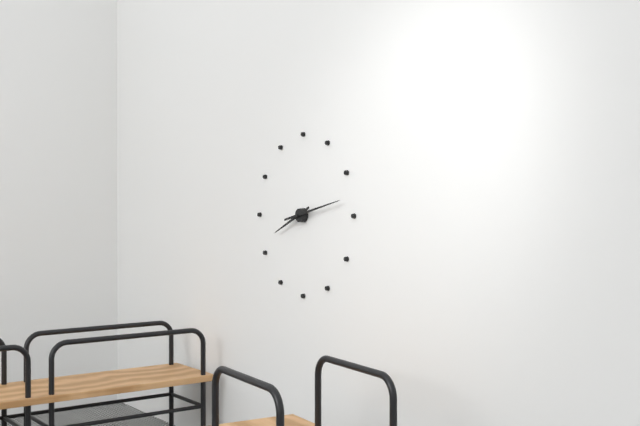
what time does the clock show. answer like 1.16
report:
8.13
